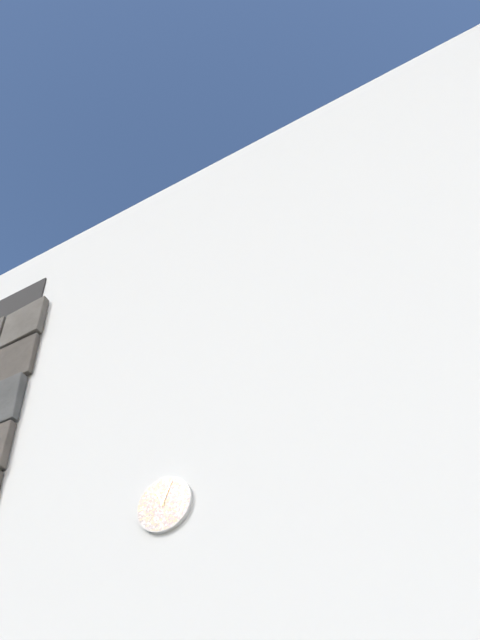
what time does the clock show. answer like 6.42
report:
11.04
